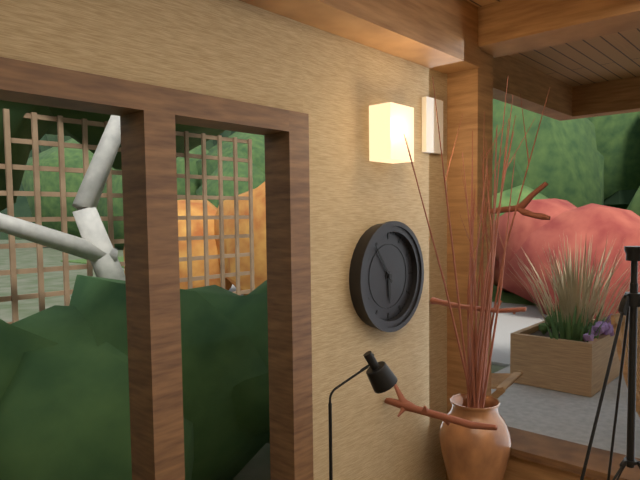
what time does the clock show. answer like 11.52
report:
5.54
